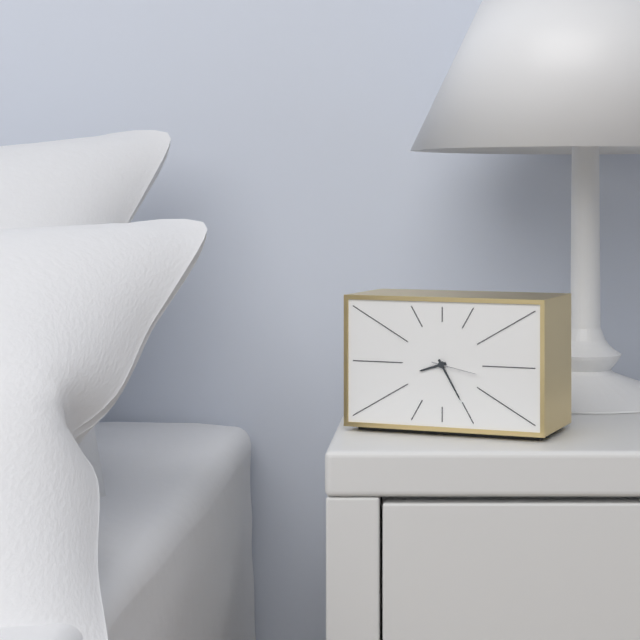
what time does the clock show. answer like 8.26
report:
8.25
